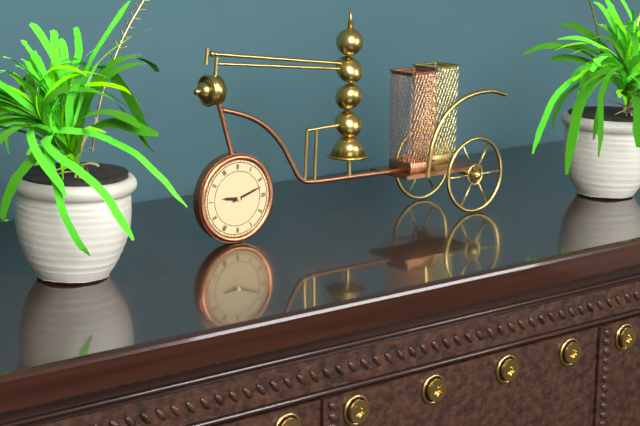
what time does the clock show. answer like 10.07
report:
9.12
